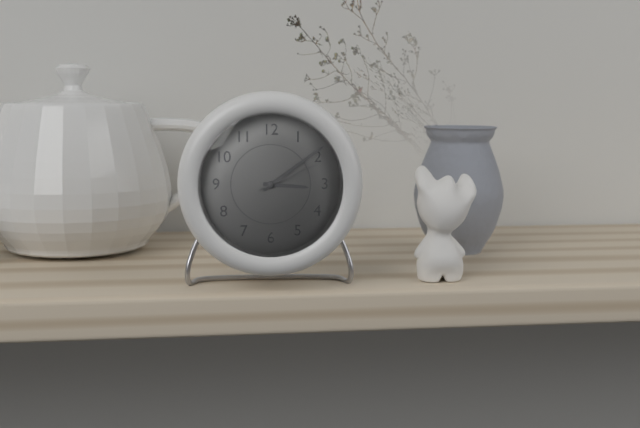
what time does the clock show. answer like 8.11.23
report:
3.09.11
